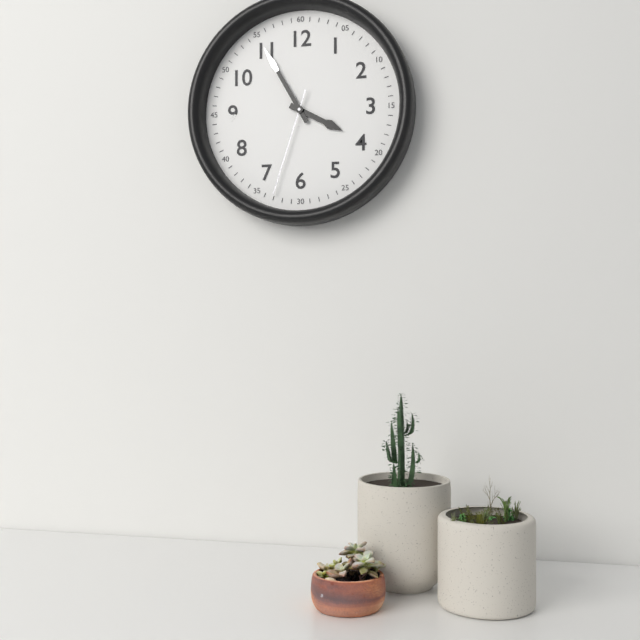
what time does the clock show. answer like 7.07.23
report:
3.55.33
